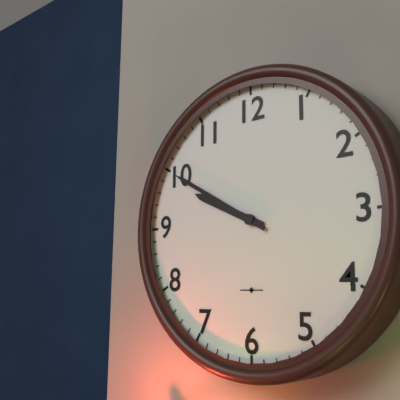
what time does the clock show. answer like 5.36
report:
9.50
